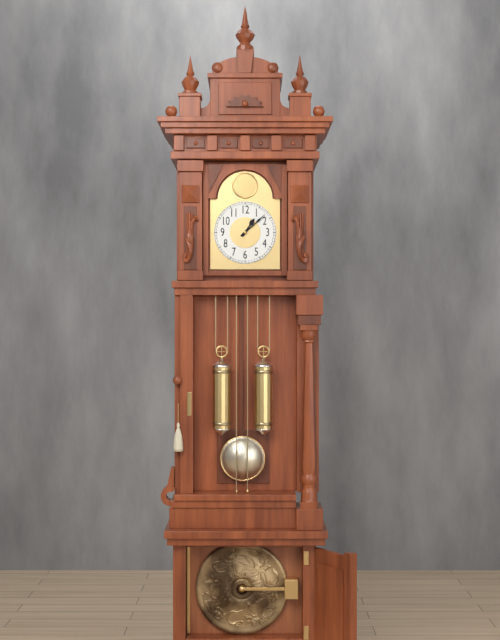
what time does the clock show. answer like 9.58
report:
1.08
